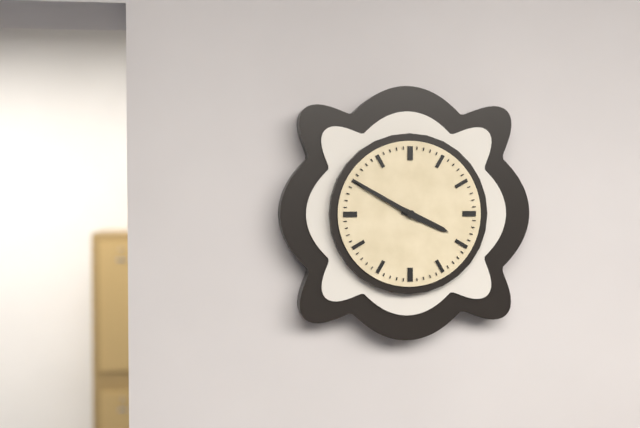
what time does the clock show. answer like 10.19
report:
3.50
